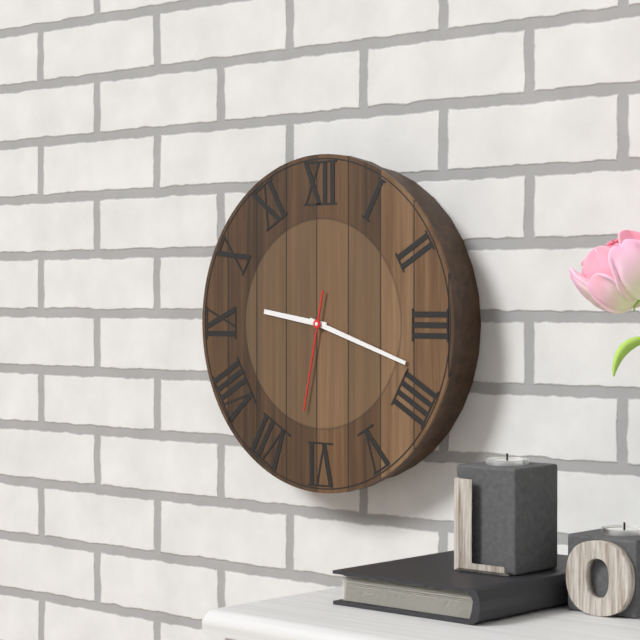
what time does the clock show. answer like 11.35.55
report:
9.18.32
